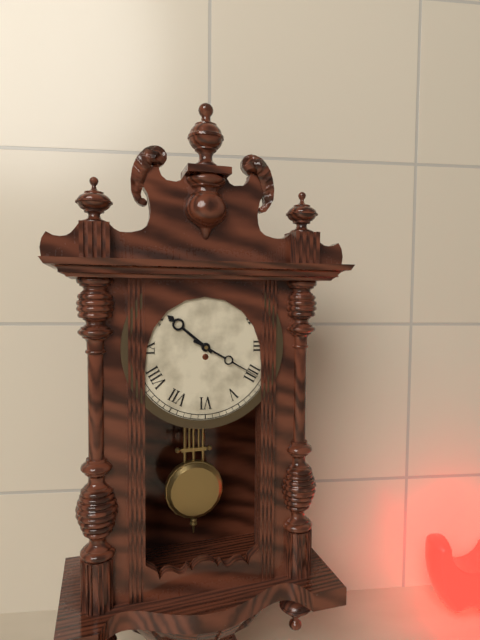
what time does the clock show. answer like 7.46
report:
10.20
